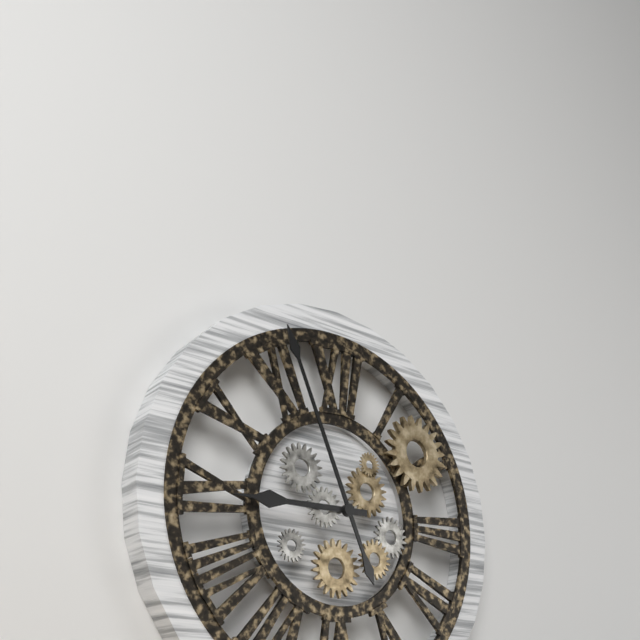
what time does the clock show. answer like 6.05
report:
8.56
